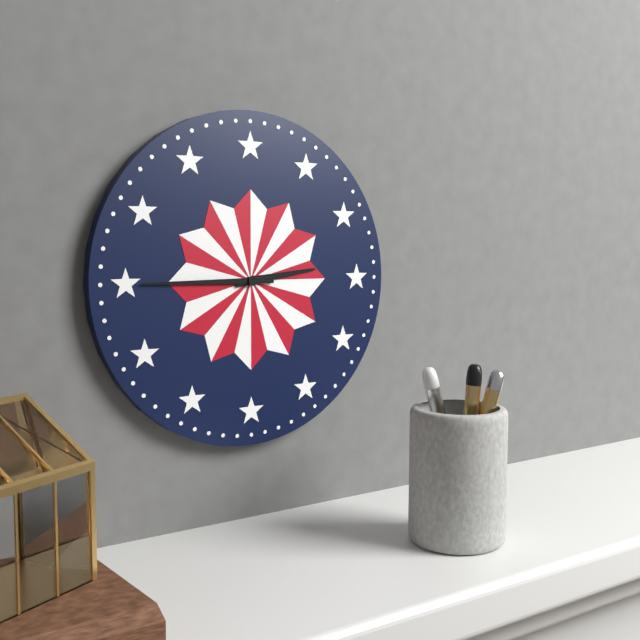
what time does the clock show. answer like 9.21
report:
2.45
